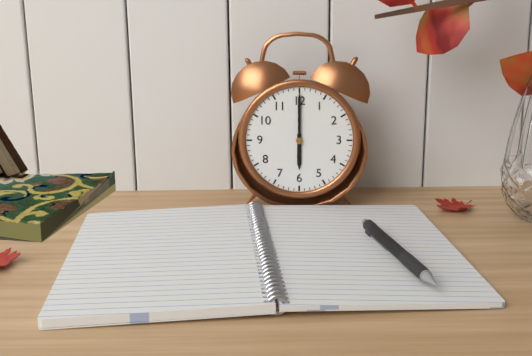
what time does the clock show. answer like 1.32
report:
6.00
